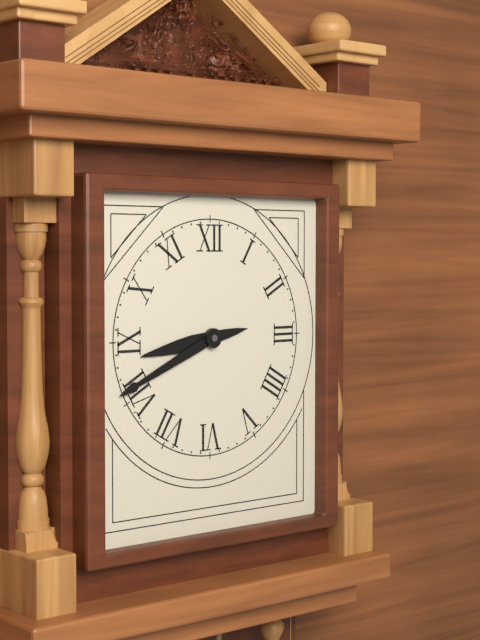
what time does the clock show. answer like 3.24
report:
8.41
